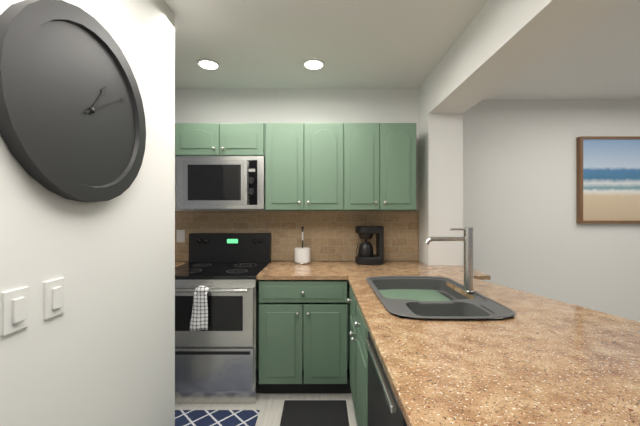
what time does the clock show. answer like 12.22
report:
1.10
